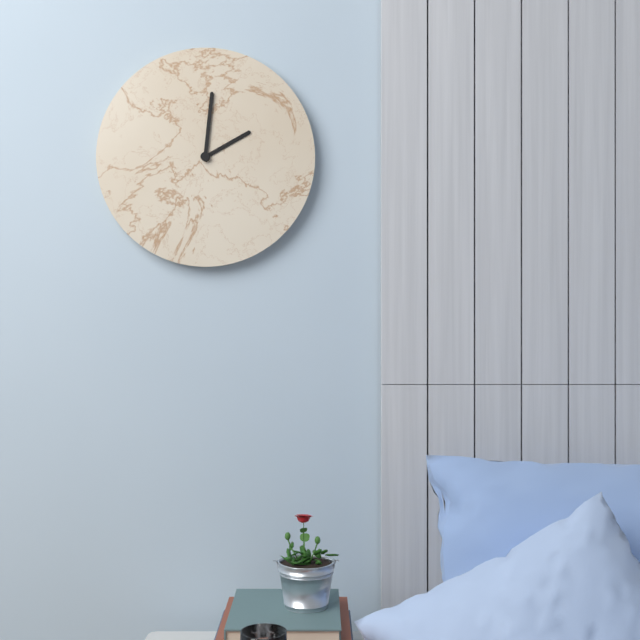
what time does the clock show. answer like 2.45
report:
2.01
